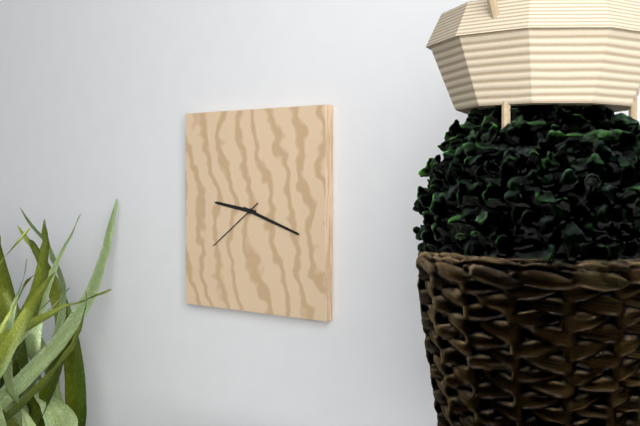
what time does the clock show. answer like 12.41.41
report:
9.18.39
